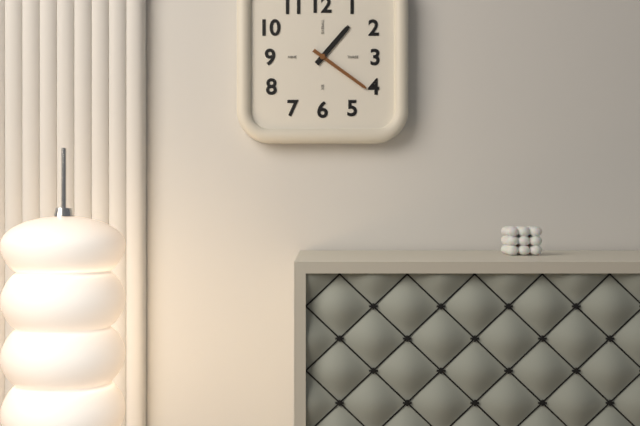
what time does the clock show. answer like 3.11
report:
1.21
